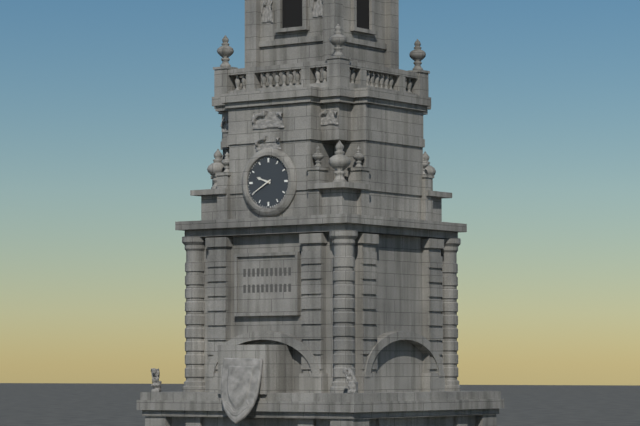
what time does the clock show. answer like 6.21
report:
9.40
